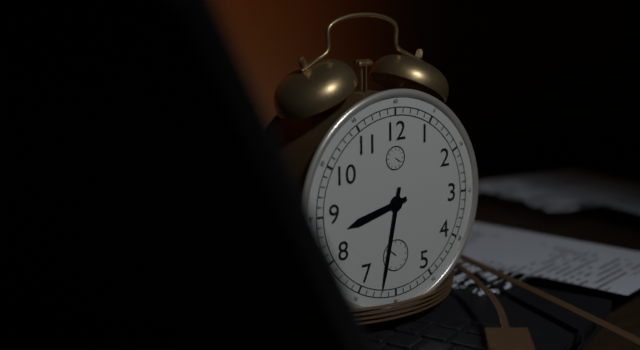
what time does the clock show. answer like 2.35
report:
8.32
